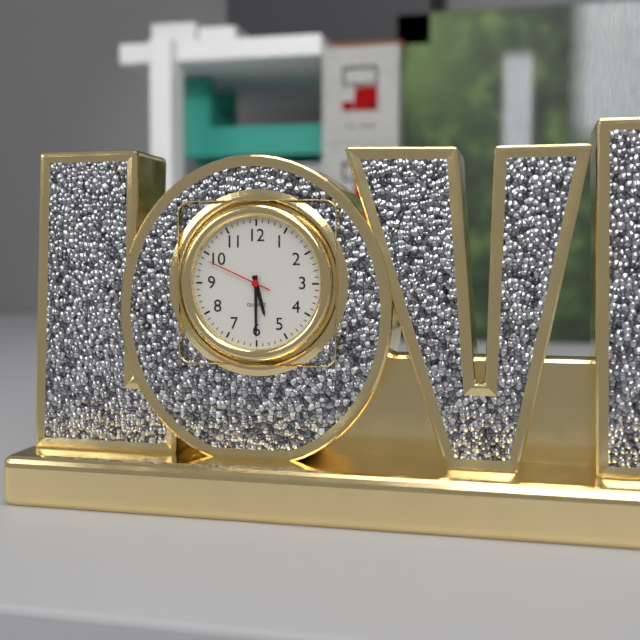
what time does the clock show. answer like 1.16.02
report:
5.30.49
